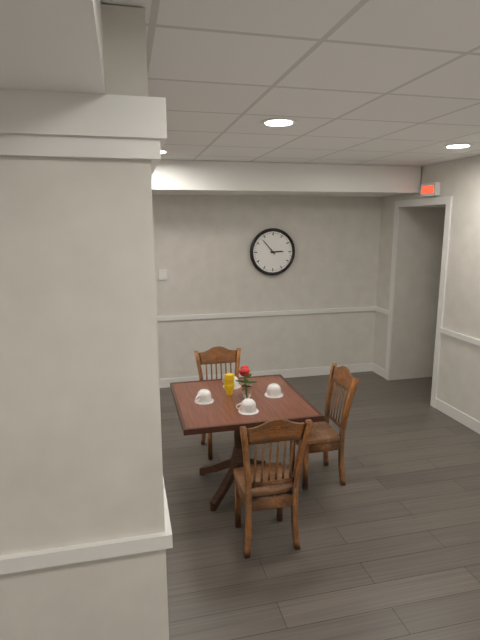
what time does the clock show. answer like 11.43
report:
2.53
